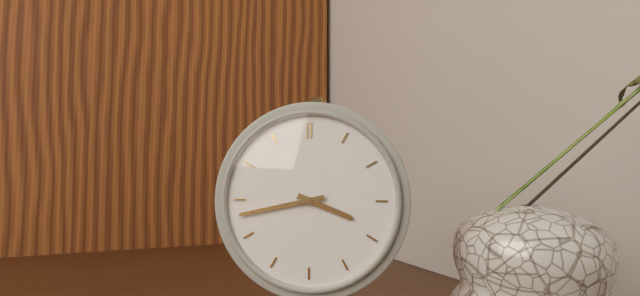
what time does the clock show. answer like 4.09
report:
3.43
